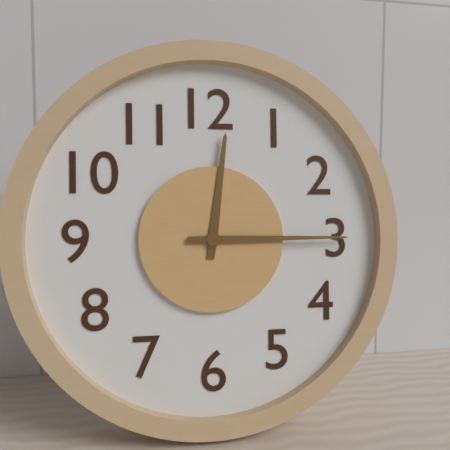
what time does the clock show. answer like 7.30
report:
12.15
